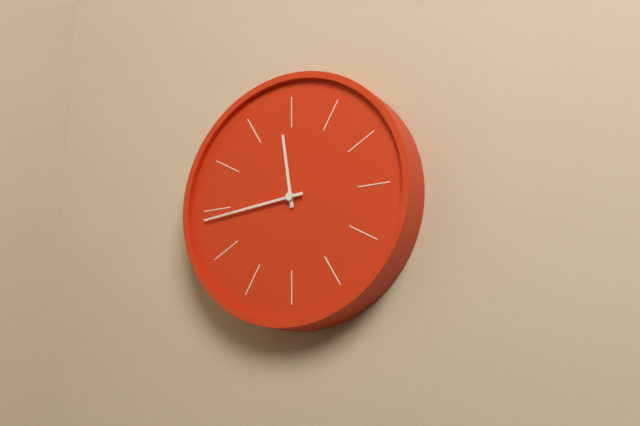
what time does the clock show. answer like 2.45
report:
11.44
